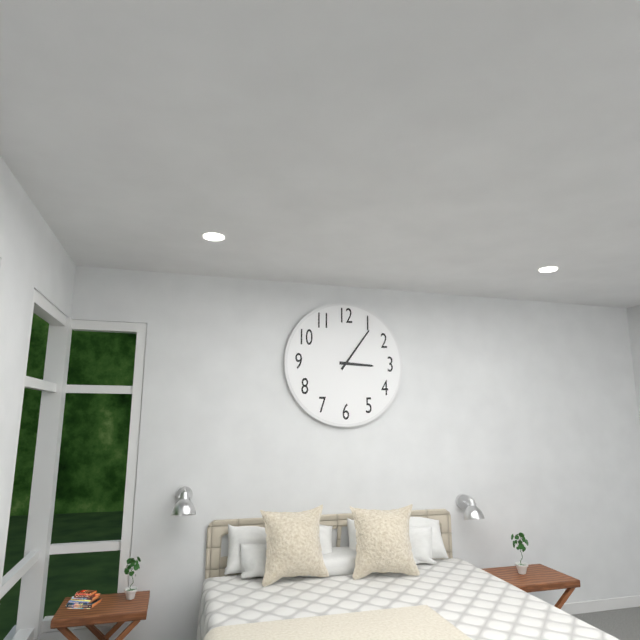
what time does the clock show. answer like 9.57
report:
3.06
